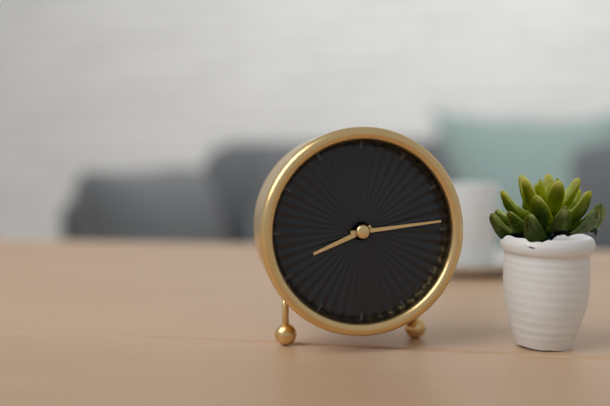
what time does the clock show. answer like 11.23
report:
8.14
